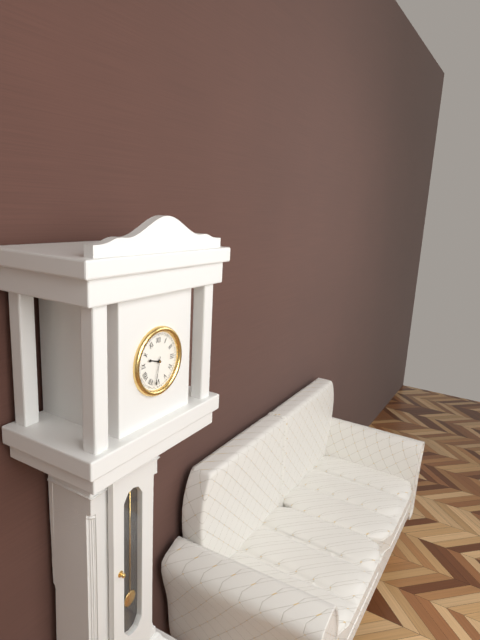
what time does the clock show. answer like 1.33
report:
9.32
